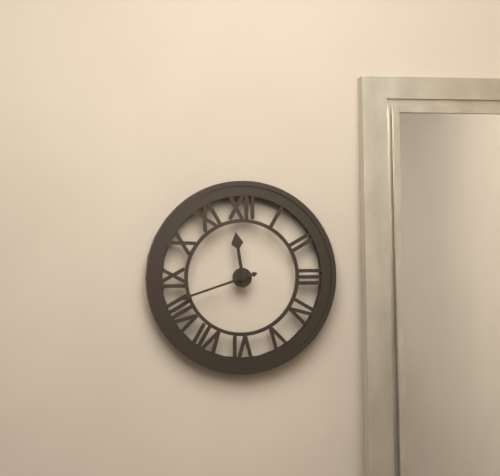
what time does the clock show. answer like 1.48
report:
11.42
